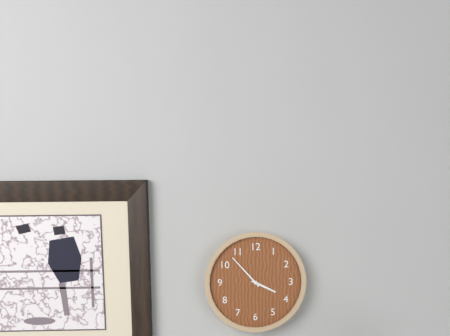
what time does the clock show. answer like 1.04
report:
3.53
